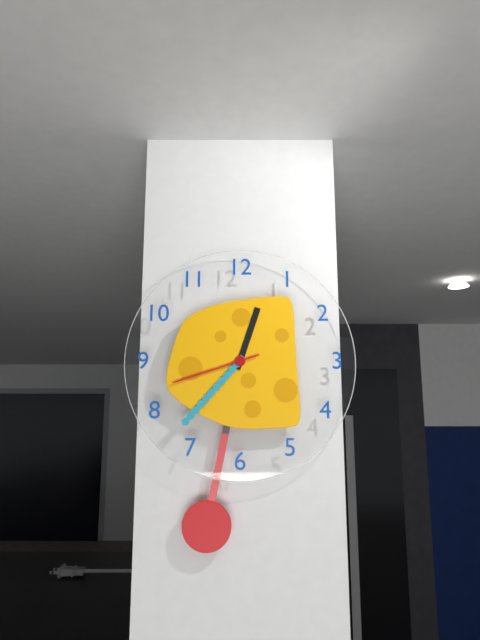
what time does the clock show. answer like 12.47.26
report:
12.37.42
